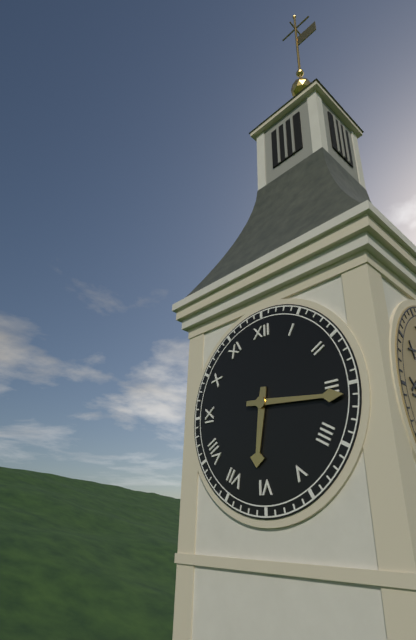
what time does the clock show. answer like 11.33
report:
6.16
